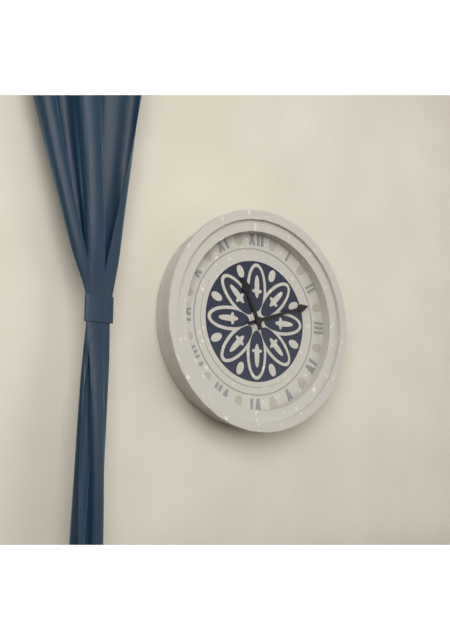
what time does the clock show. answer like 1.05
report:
11.12
